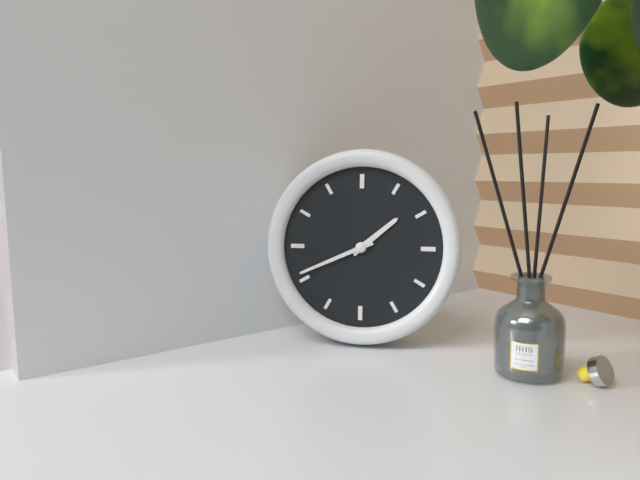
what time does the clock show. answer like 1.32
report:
1.41
